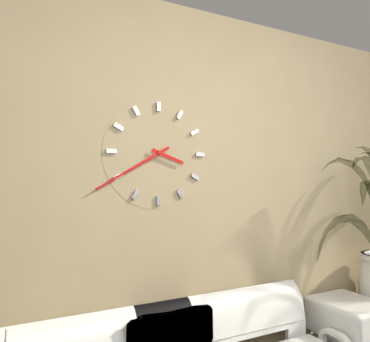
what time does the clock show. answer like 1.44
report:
3.40
